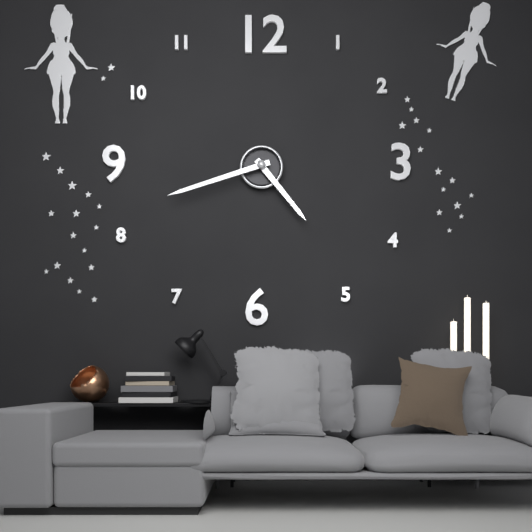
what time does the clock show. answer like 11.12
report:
4.42
